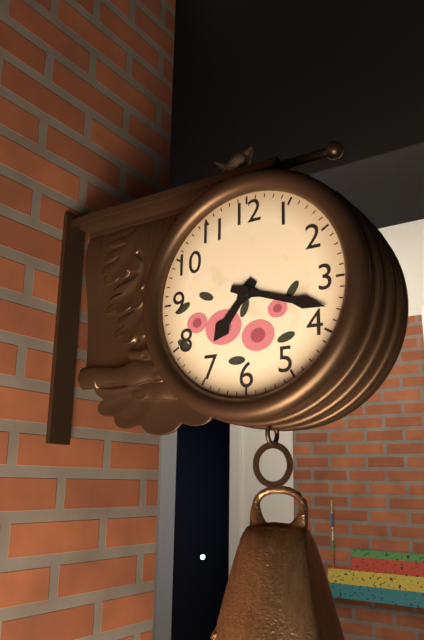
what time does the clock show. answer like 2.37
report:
7.18
